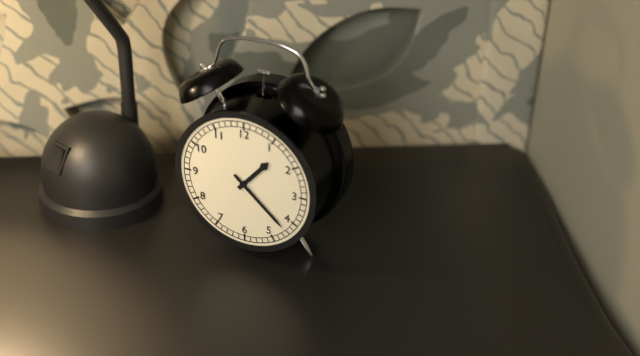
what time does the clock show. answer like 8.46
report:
1.22
